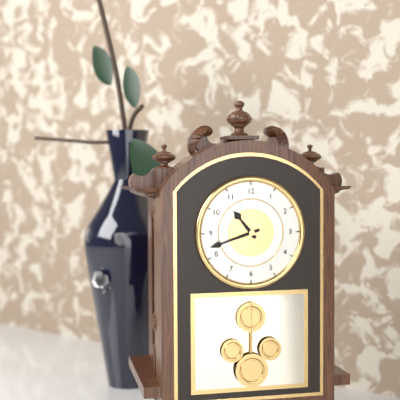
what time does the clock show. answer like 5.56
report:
10.42
